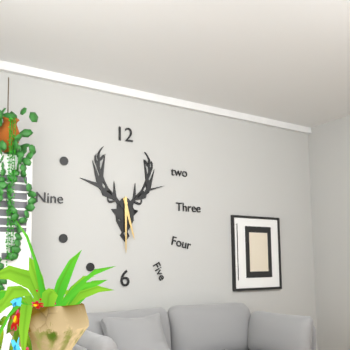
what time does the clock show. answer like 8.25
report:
5.30
